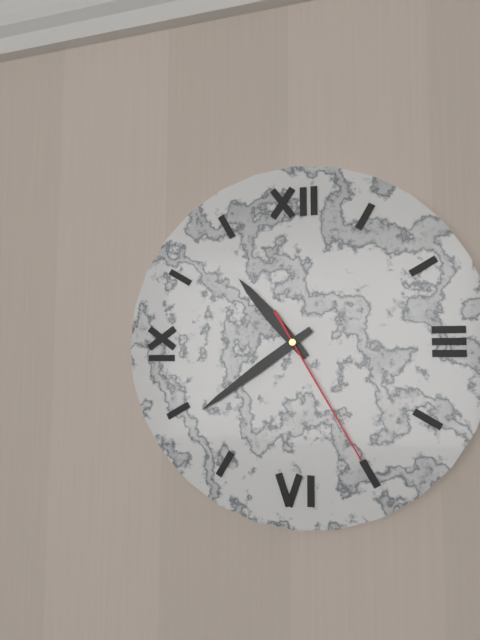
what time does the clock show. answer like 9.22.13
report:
10.39.25
